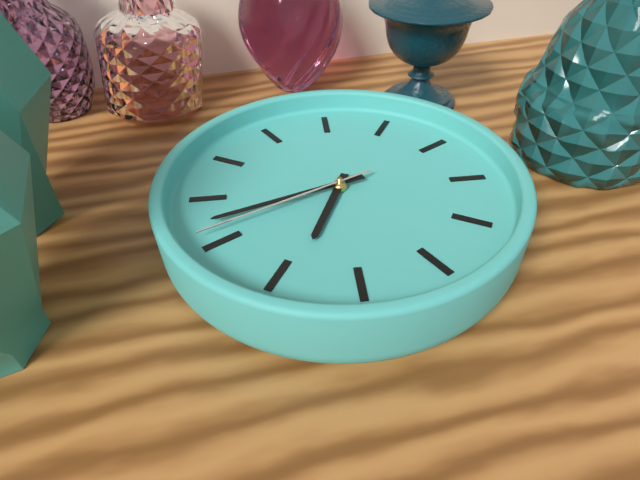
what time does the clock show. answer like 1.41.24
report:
7.47.46
